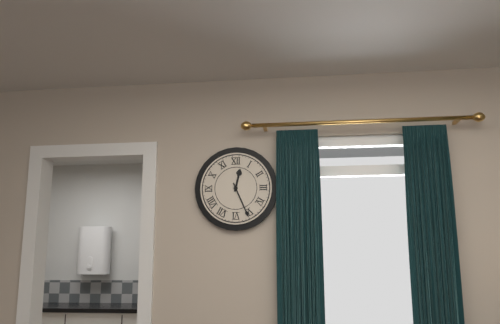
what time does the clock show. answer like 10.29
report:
12.26
